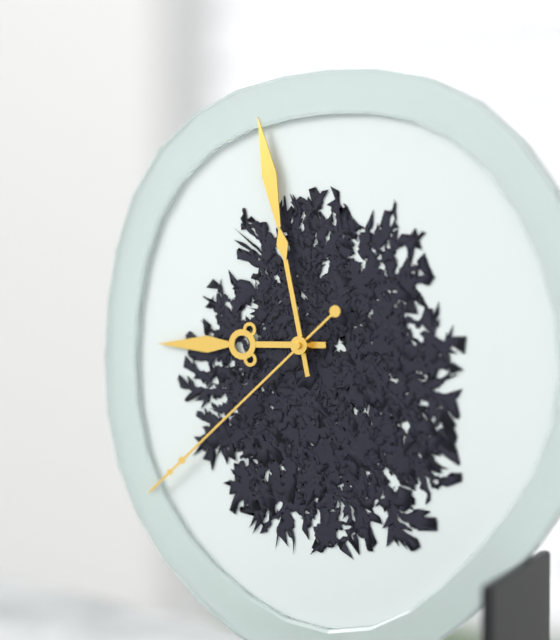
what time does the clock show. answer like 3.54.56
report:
8.58.38
